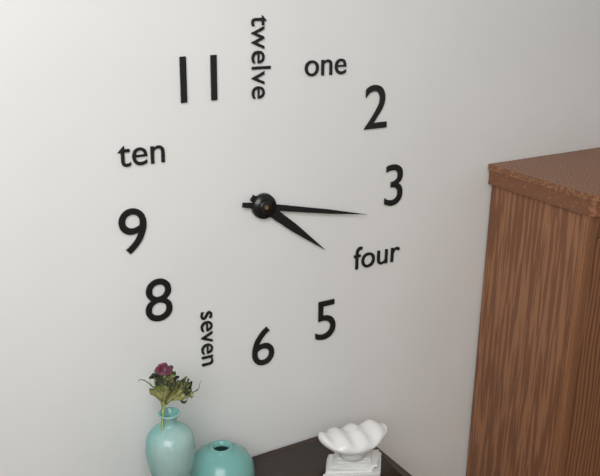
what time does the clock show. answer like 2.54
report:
4.17
